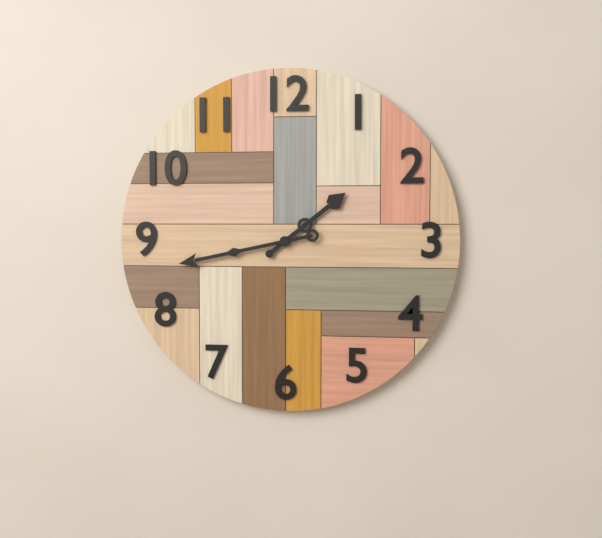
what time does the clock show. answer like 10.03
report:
1.43
